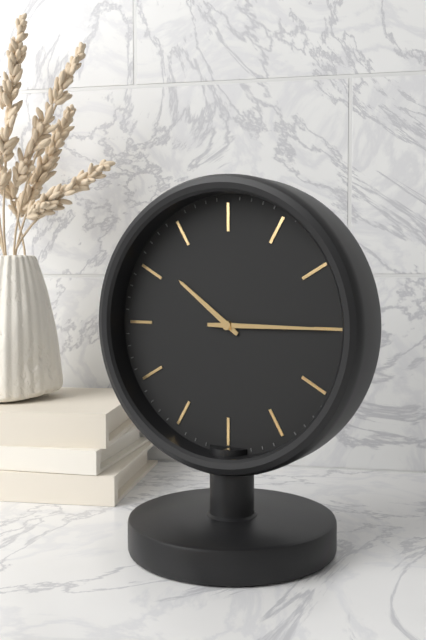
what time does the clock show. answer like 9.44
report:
10.15
